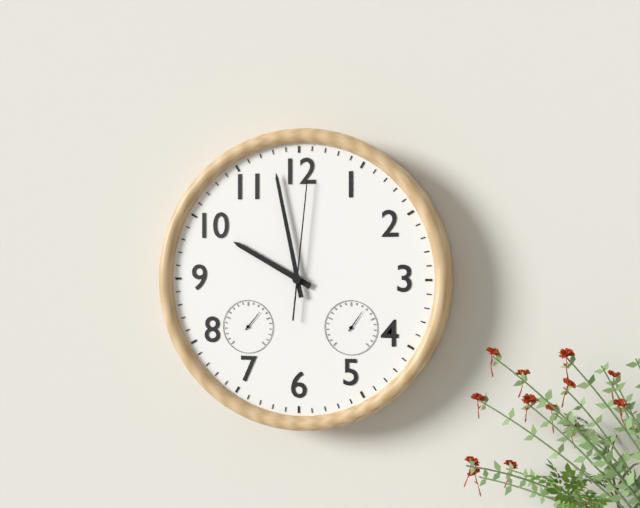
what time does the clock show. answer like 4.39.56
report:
9.58.01
